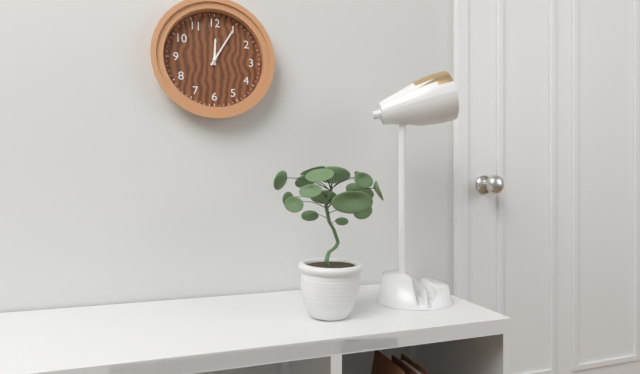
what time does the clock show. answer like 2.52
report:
12.05
